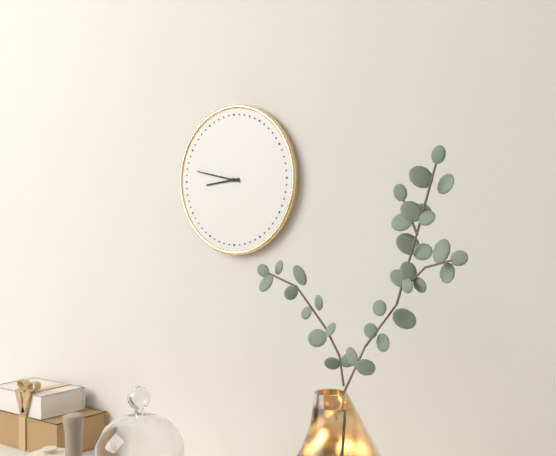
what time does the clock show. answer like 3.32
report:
8.47
